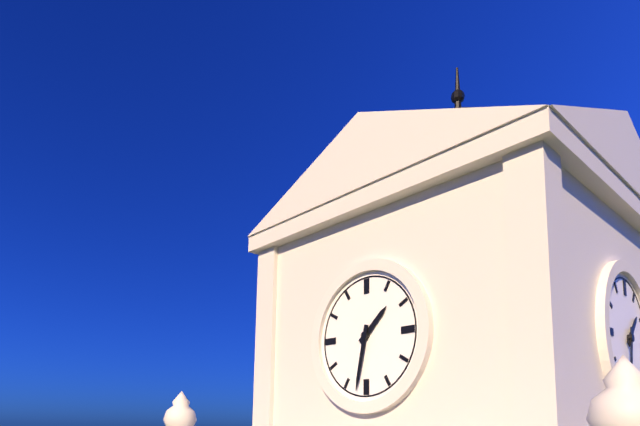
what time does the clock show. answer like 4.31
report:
1.32
